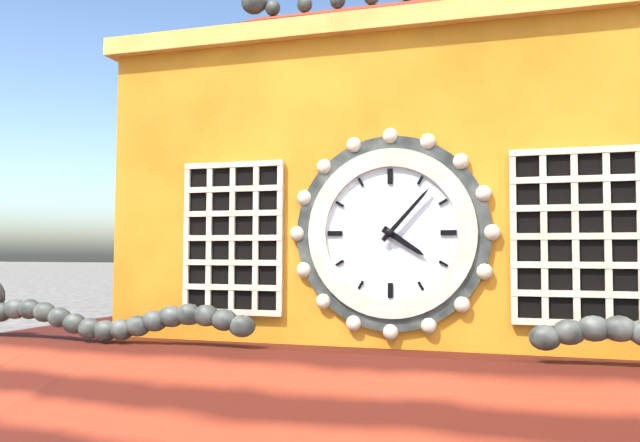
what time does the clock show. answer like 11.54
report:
4.07
